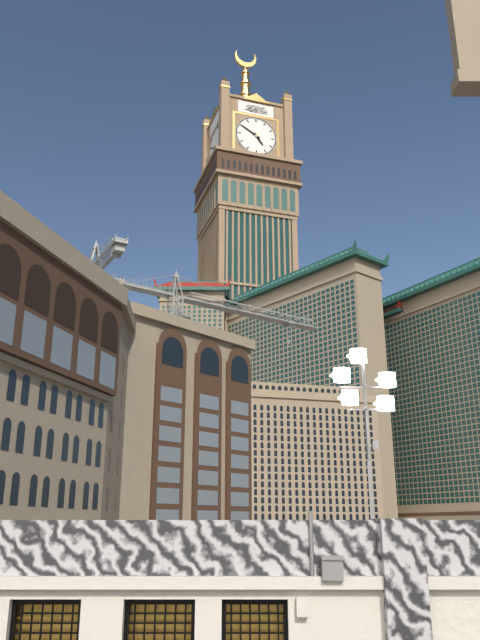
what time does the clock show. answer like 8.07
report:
4.50
